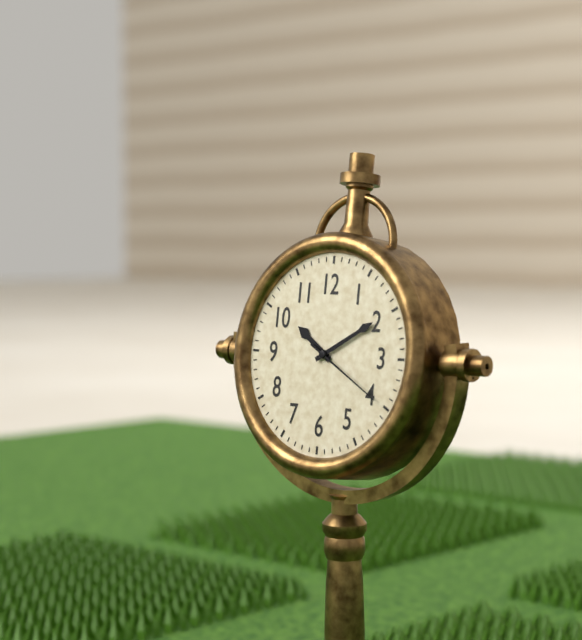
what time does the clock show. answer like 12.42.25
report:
10.10.20
